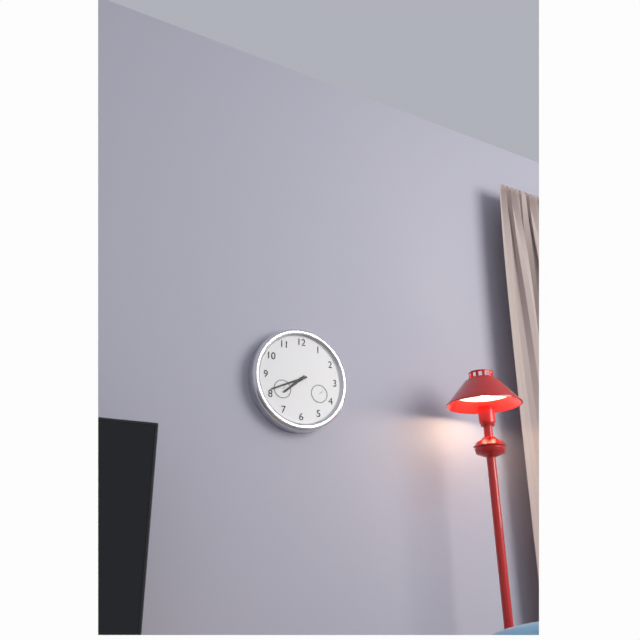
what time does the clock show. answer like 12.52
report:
7.41
